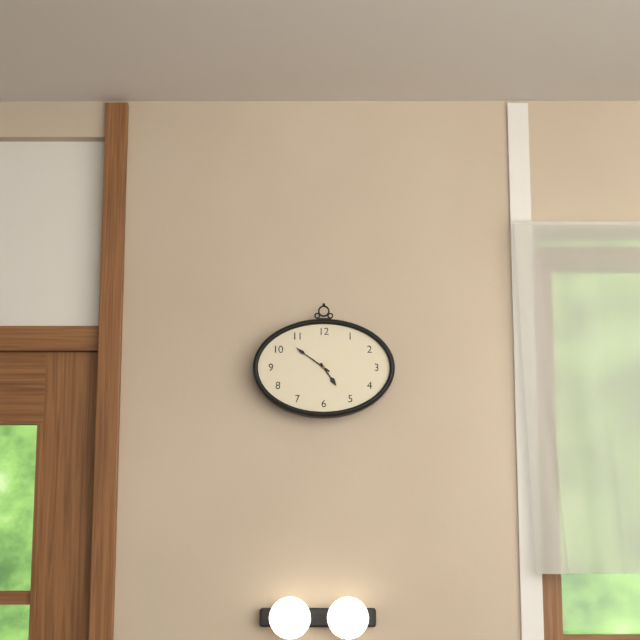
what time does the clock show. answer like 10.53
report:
4.51
